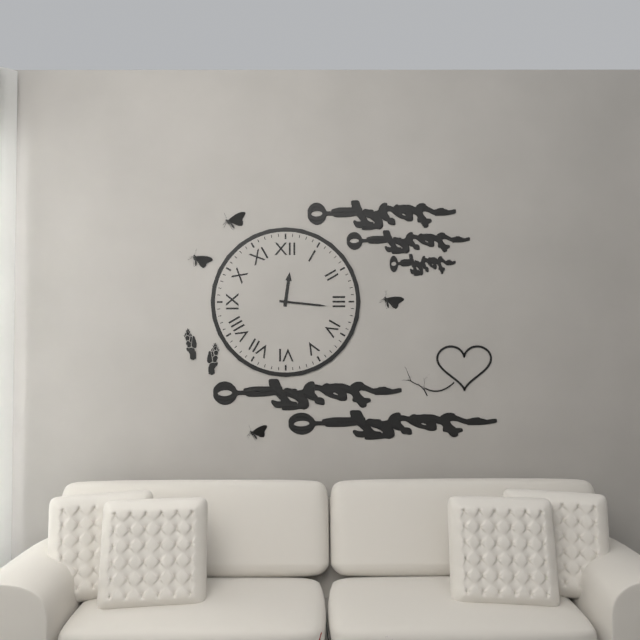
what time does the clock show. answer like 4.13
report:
12.16
